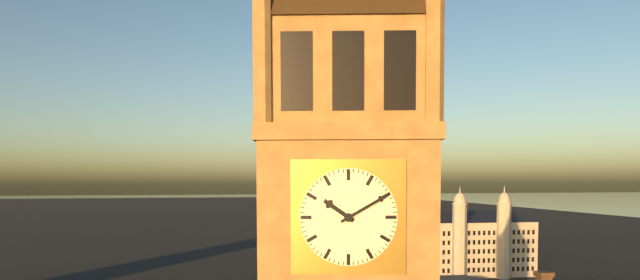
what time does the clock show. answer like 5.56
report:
10.10
